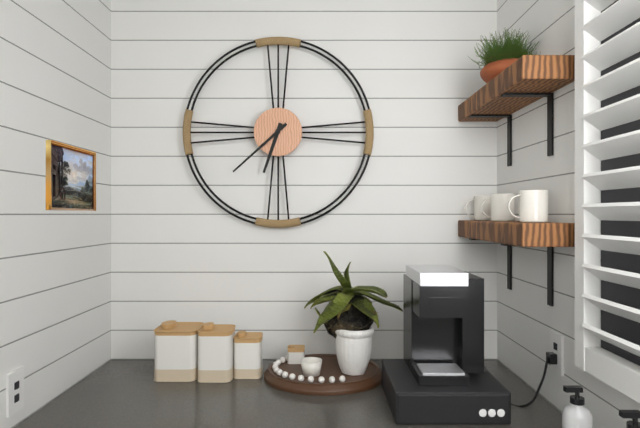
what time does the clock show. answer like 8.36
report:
6.38
